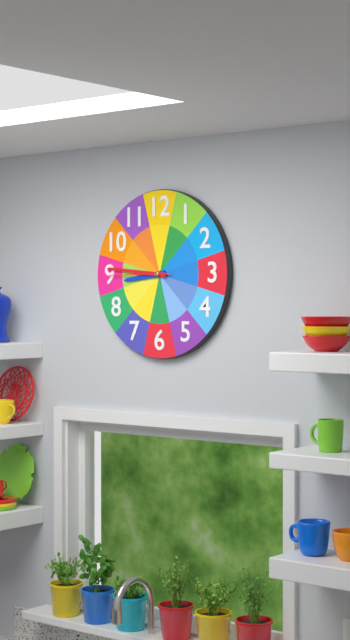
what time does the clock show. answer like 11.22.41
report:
8.46.45
